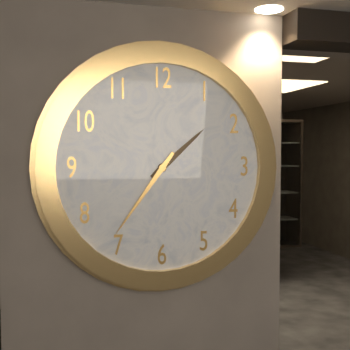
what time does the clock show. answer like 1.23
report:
1.36
